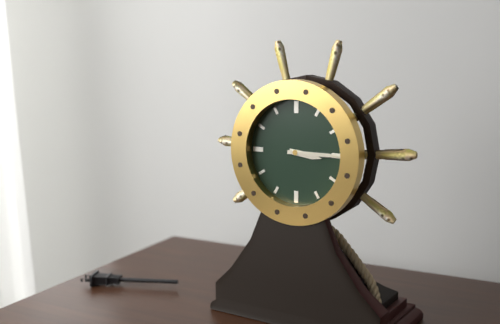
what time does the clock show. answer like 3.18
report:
3.15
